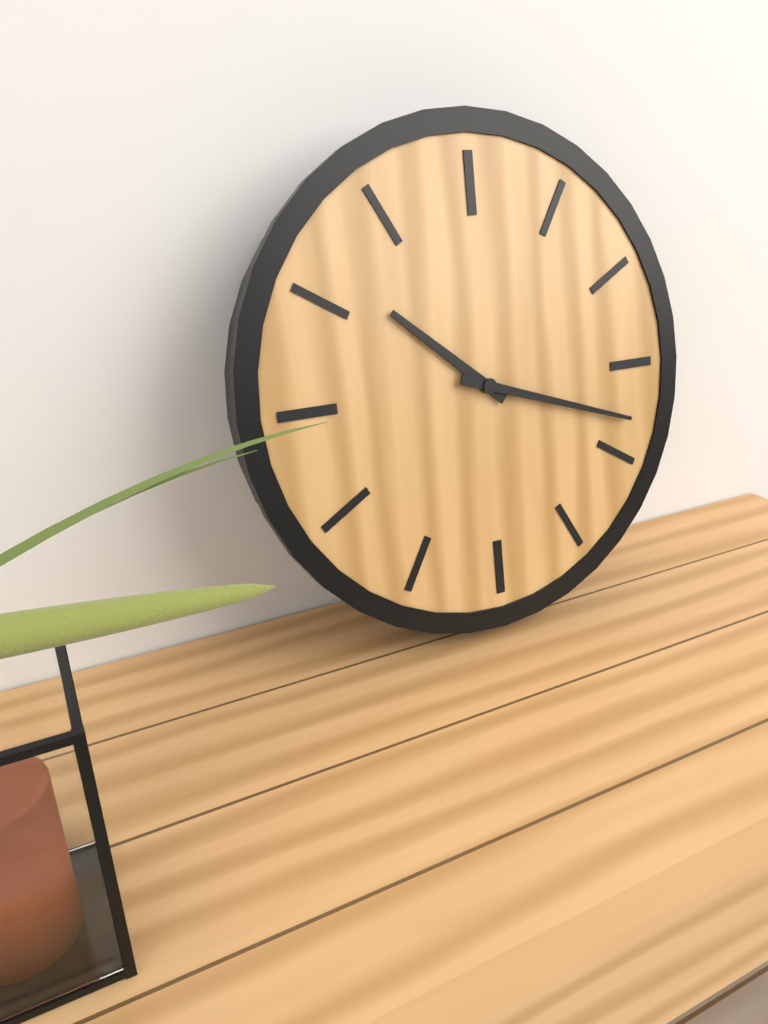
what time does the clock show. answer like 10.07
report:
10.18
